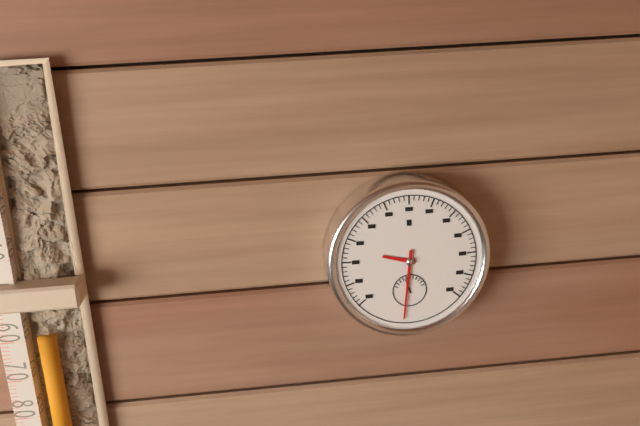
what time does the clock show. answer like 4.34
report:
9.31
